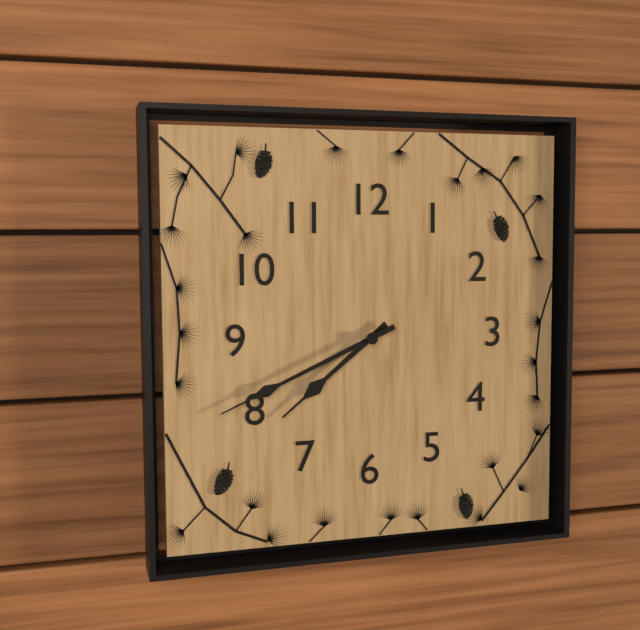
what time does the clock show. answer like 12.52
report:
7.41
